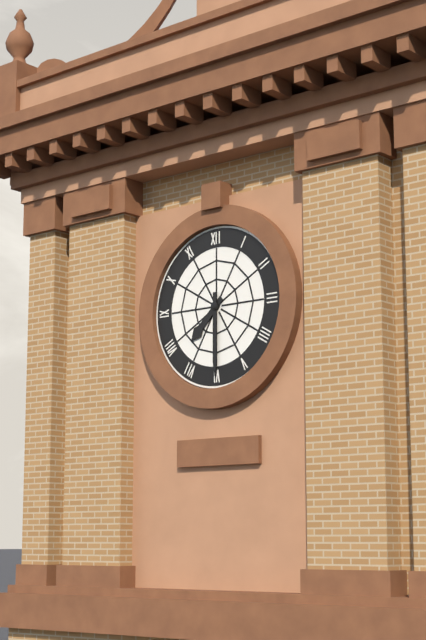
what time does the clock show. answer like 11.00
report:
7.30
